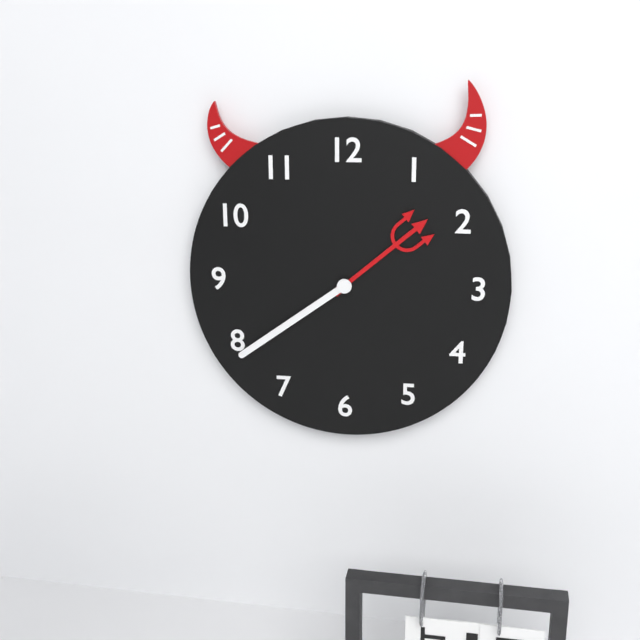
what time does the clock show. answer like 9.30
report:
1.39
